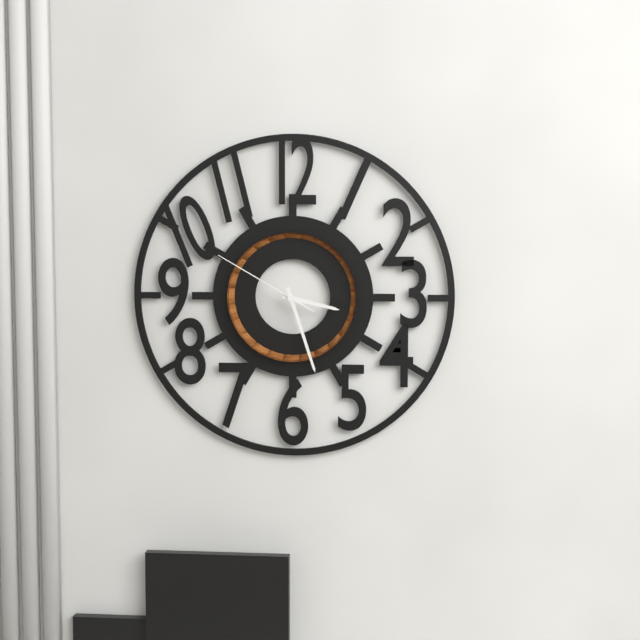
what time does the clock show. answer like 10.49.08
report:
3.27.50
